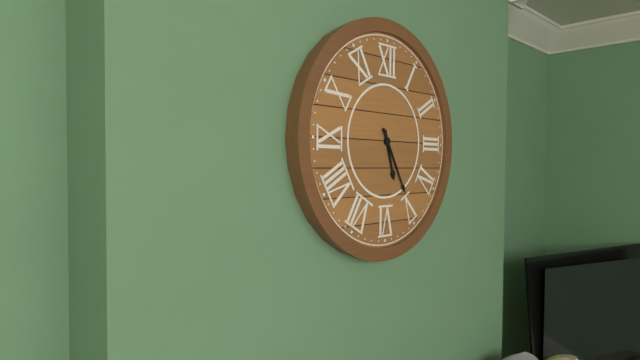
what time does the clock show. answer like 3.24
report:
5.25
